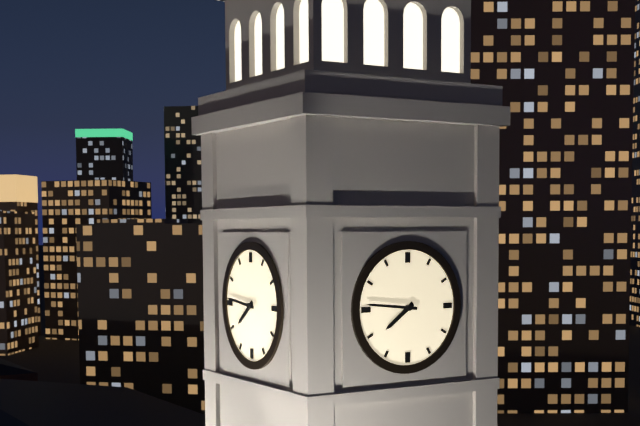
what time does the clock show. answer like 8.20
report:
7.46
